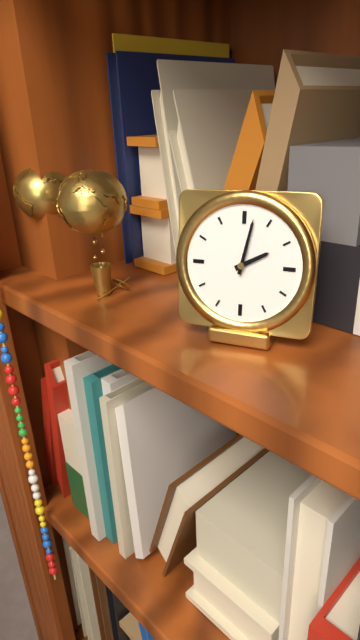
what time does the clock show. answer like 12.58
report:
2.02
